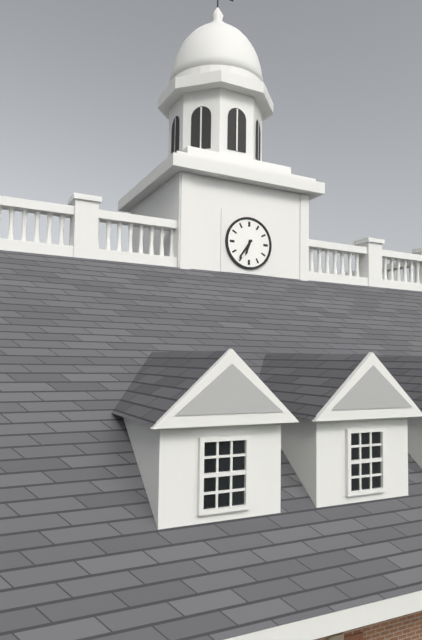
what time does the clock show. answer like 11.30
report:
6.36
